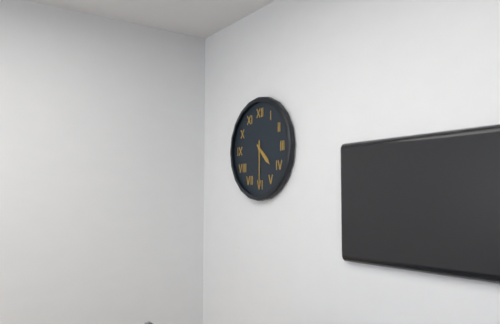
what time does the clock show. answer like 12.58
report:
4.30
